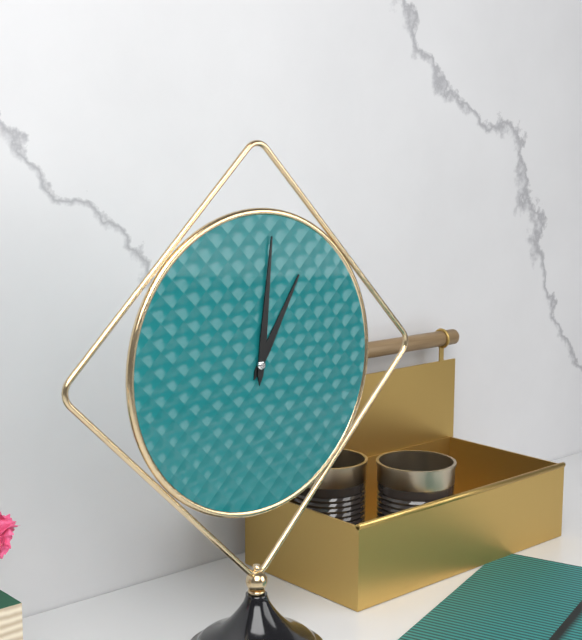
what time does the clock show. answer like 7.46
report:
1.01
